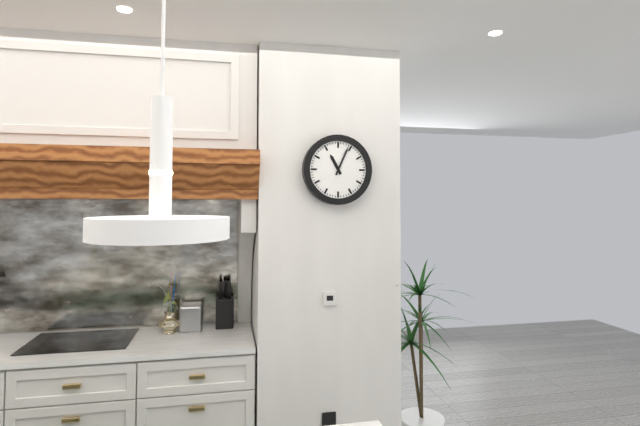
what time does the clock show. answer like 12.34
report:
11.04
